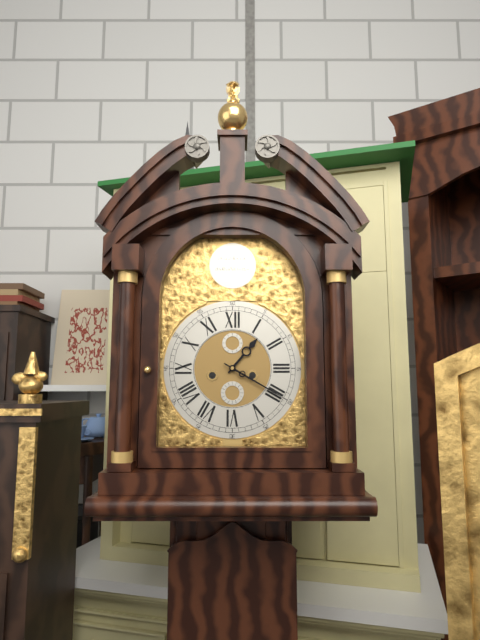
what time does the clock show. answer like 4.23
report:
1.20
